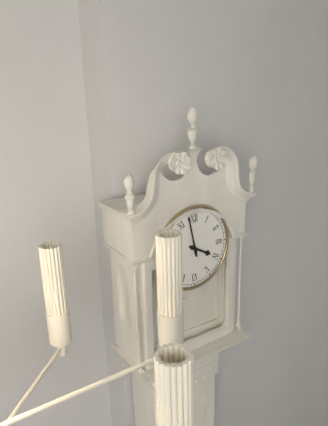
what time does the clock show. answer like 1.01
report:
3.58
